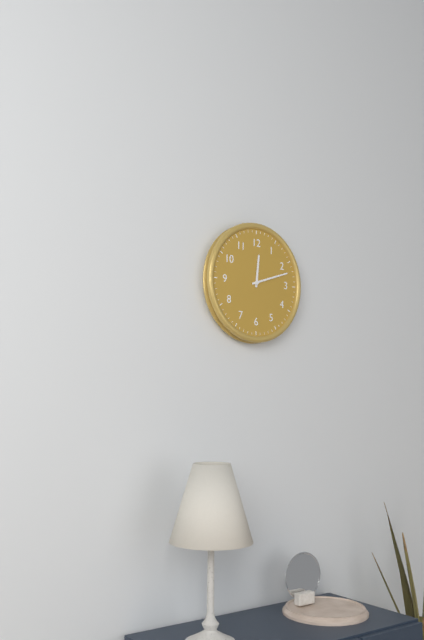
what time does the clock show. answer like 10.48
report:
12.12
